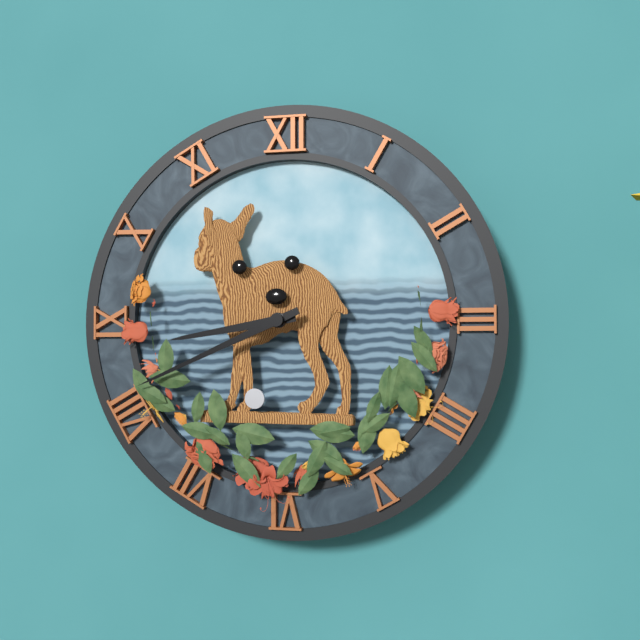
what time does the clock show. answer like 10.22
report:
8.41
